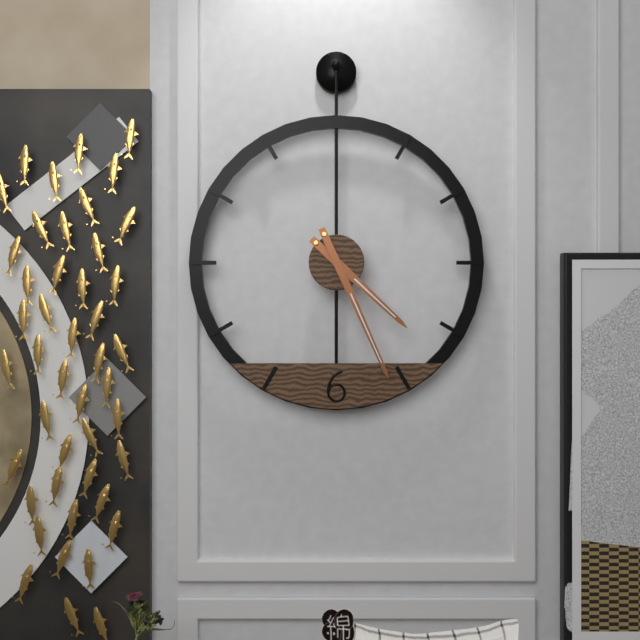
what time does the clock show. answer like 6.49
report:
4.26
